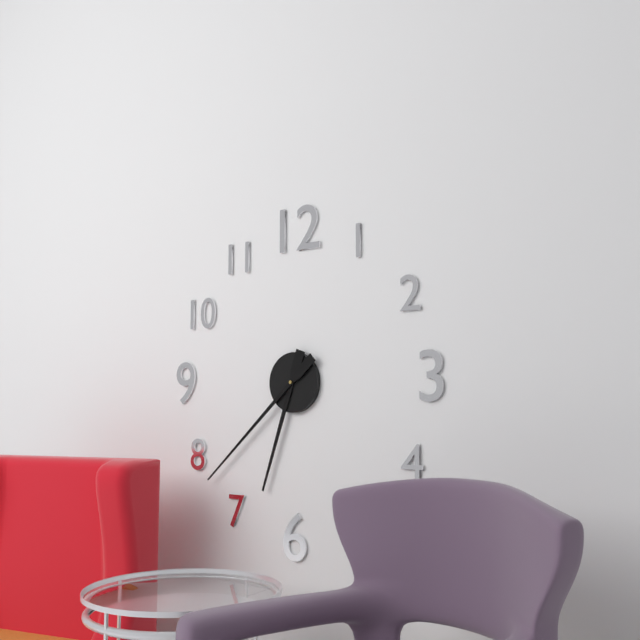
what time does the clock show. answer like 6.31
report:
6.38
